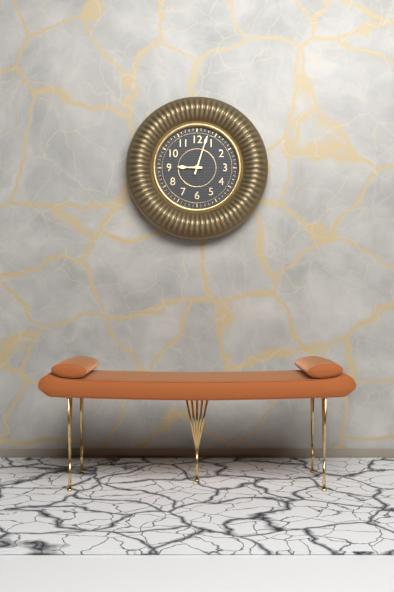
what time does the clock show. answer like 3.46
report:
9.03
